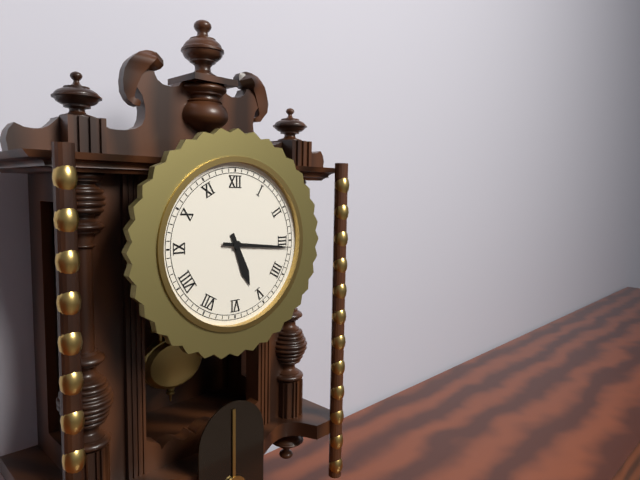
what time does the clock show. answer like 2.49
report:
5.16
